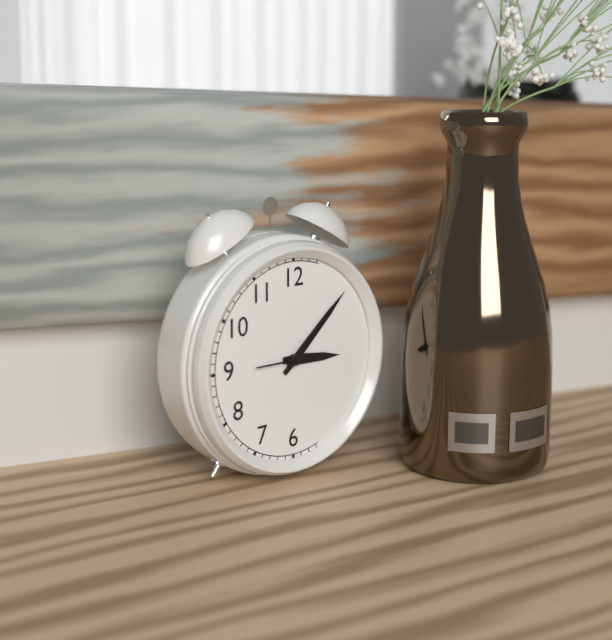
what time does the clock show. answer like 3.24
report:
3.08
